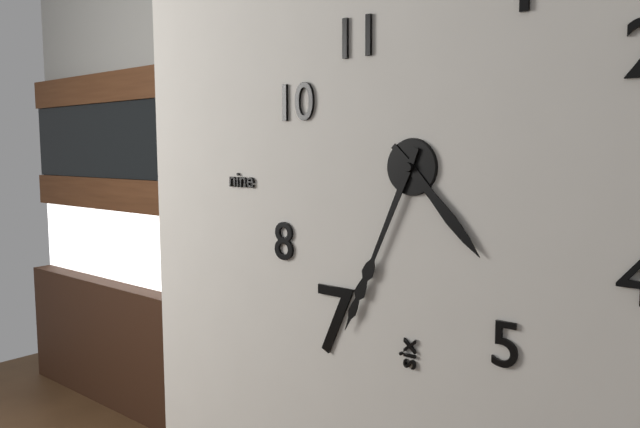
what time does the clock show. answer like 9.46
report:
4.34
